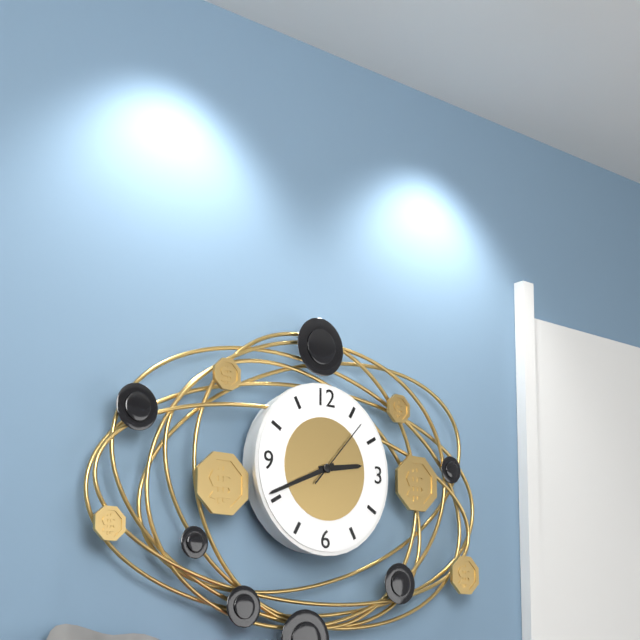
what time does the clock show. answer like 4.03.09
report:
2.41.07
